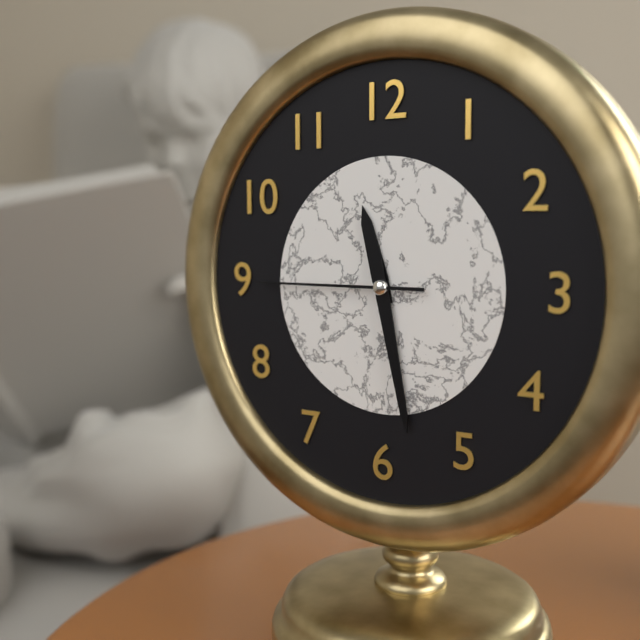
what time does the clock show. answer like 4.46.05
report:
11.28.45
